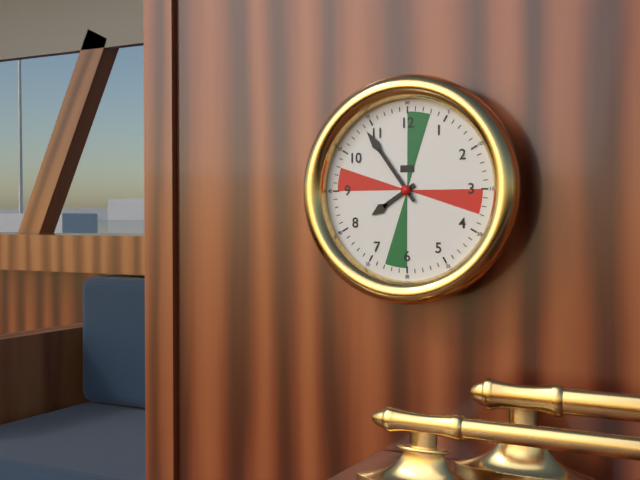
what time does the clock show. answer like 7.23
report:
7.54
